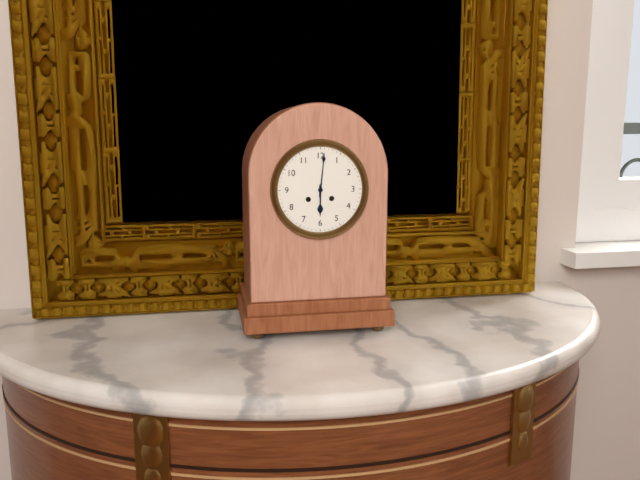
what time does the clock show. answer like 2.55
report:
6.01
